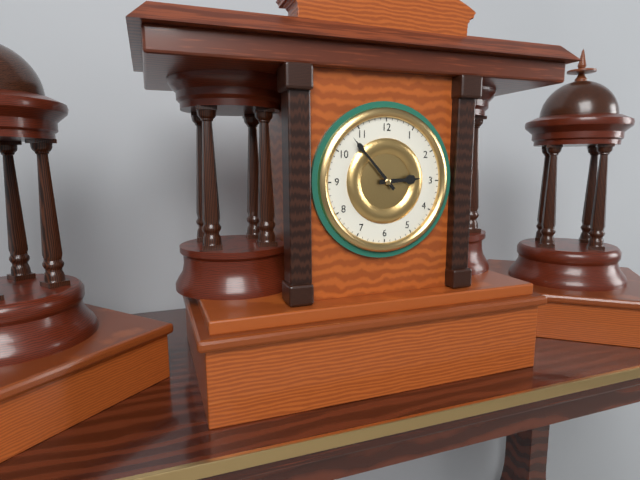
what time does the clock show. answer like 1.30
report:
2.53
